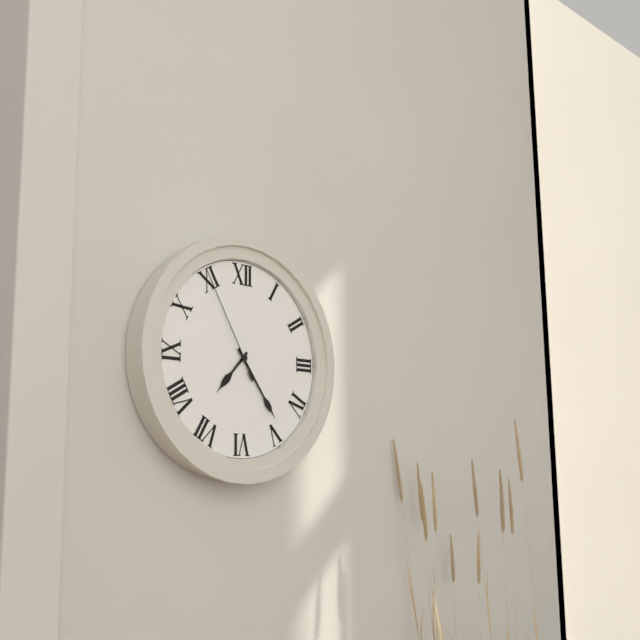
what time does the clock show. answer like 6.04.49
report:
7.24.55
